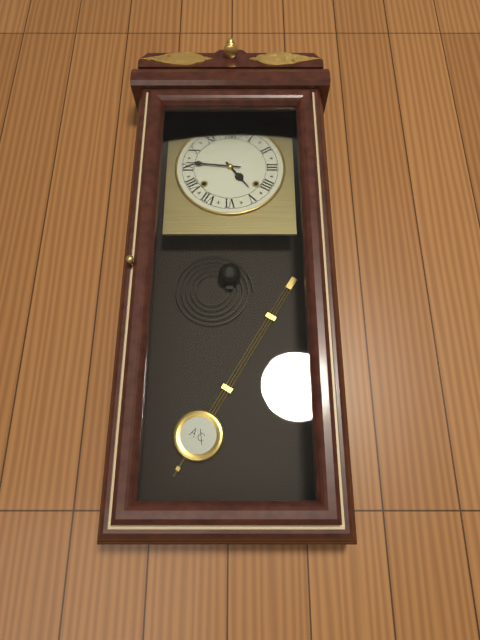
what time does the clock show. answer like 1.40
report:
4.46
